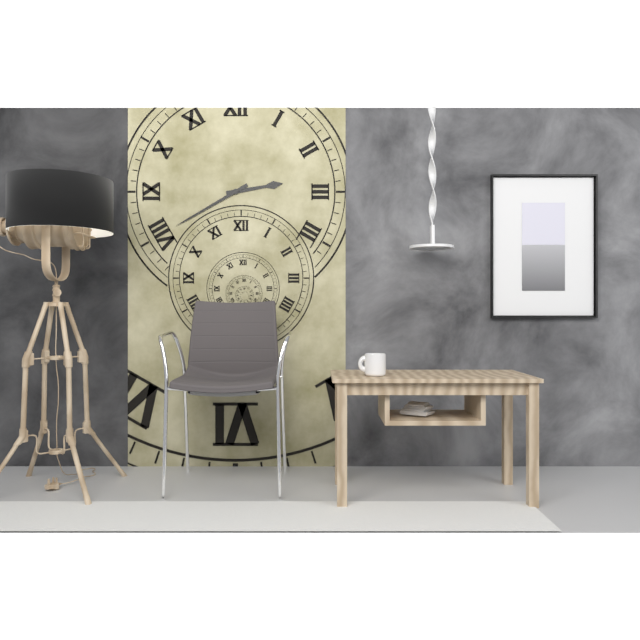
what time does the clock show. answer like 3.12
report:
2.40
